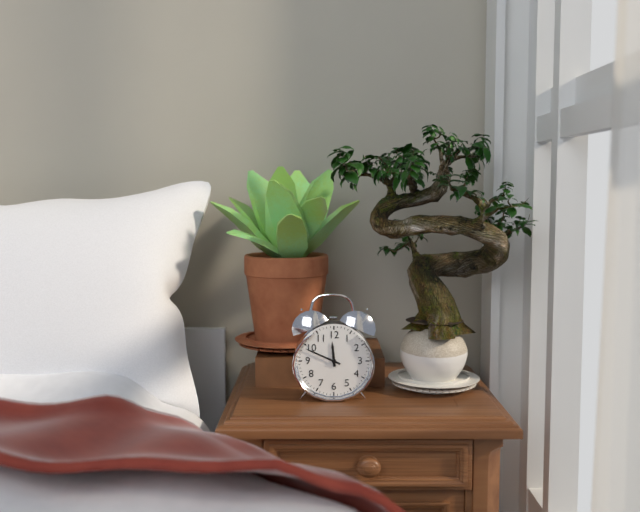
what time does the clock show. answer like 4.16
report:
11.49
